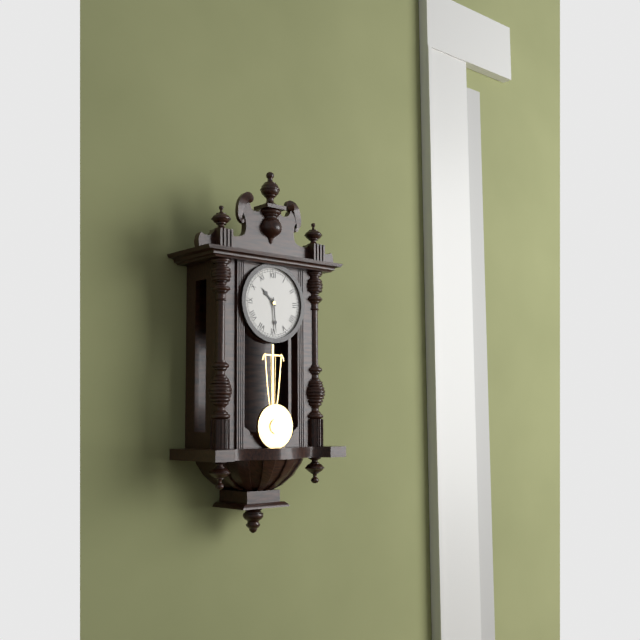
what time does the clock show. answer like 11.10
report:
10.29
